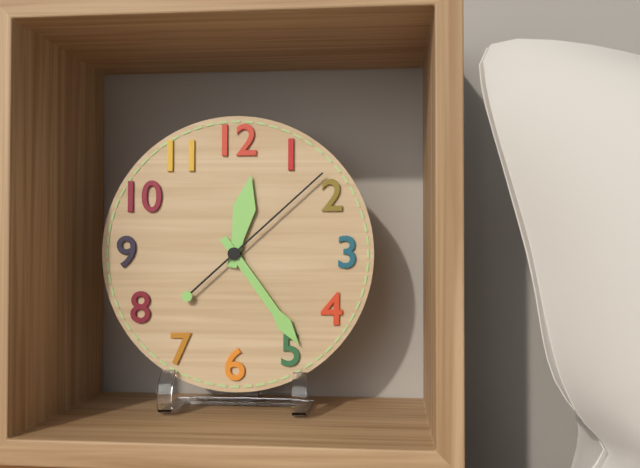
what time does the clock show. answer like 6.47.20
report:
12.24.08
